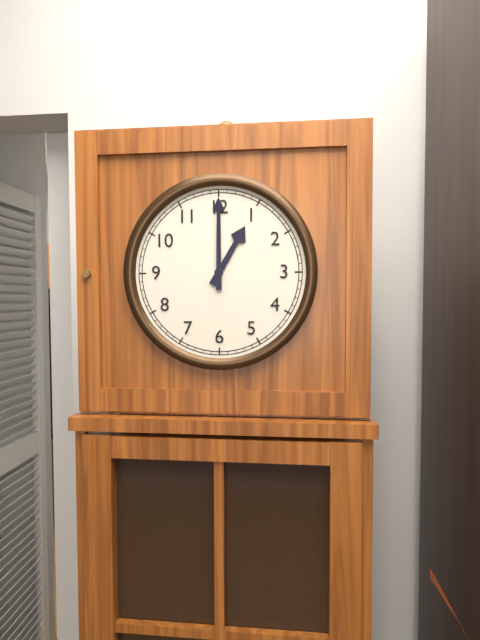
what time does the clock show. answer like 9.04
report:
1.00
